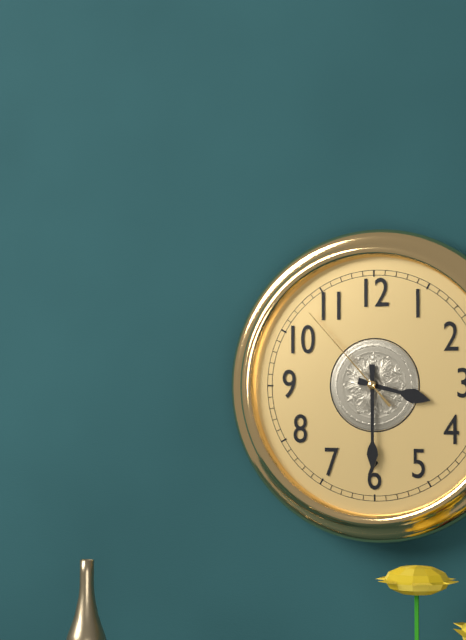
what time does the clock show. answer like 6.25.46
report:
3.30.53
